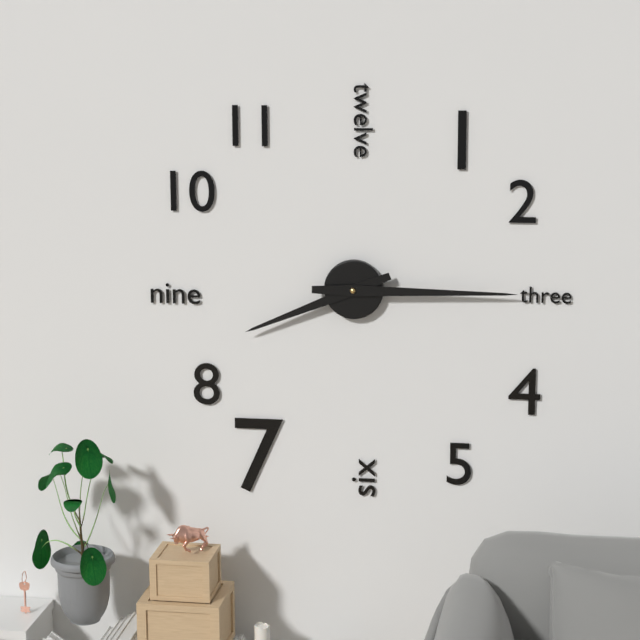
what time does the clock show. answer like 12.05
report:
8.15
